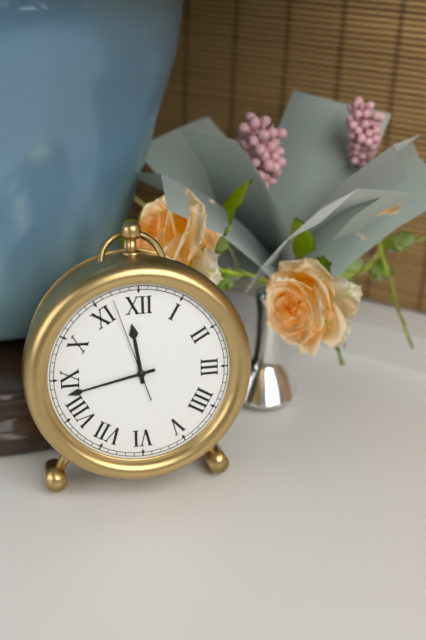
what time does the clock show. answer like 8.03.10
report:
11.43.57
